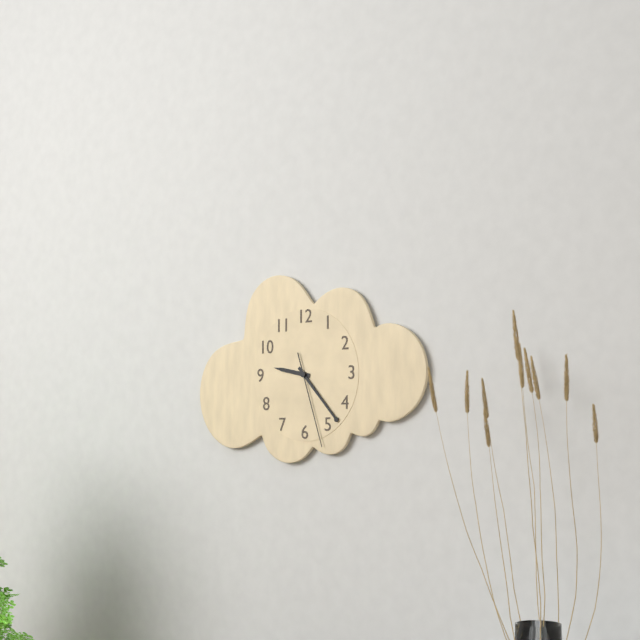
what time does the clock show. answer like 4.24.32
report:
9.23.27
